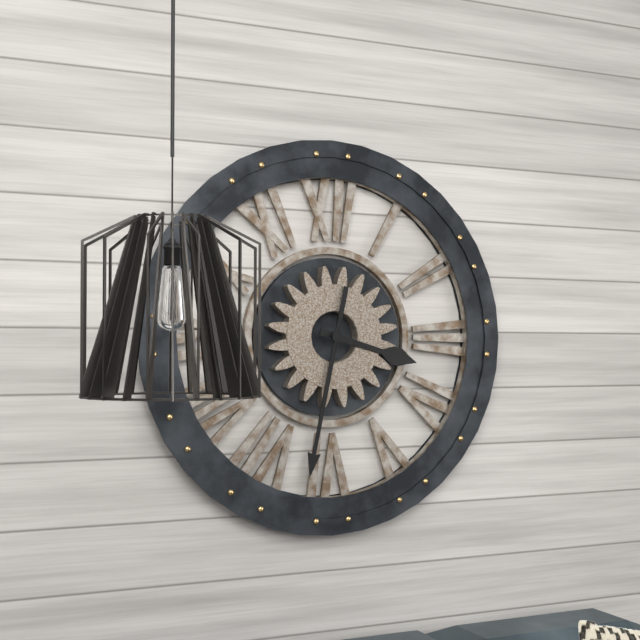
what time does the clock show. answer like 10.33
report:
3.32
